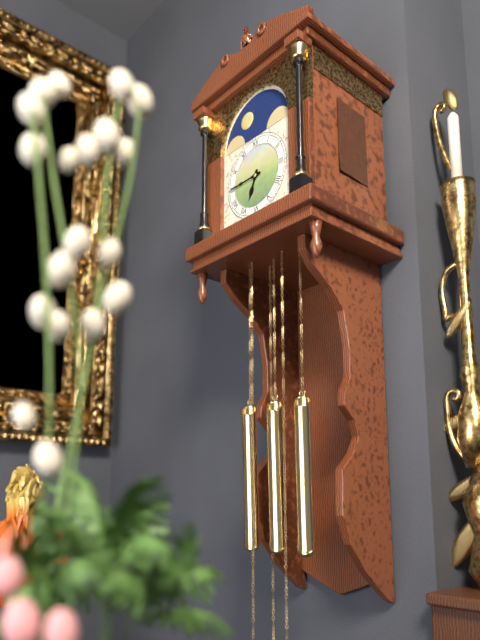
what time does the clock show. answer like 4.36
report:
6.45
